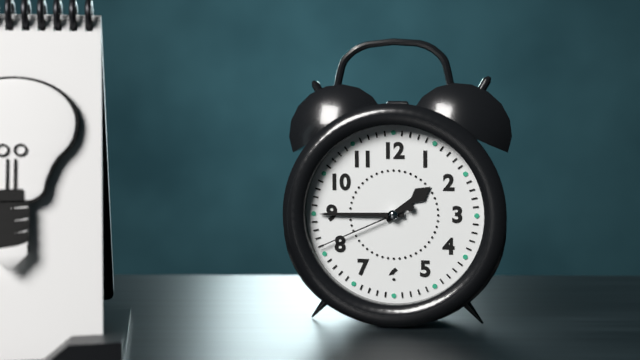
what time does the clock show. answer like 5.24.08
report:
1.45.41
